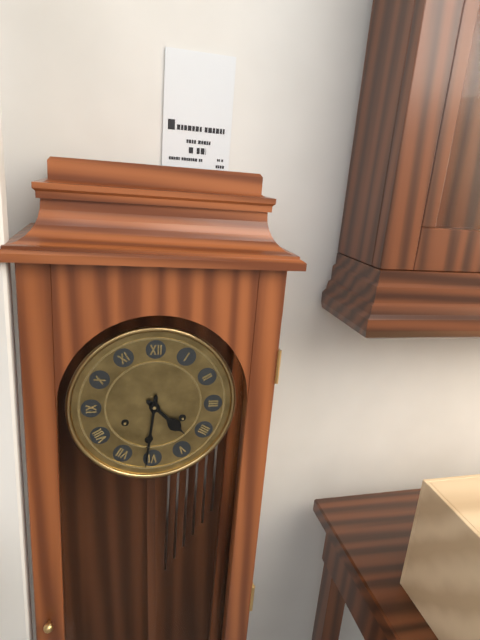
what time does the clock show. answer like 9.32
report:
4.31
